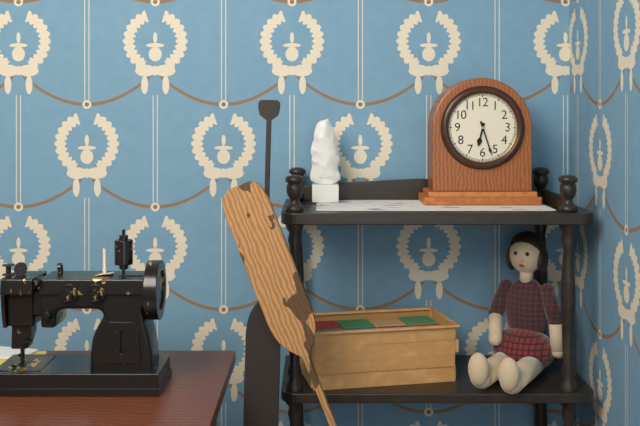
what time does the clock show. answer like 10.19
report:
6.27
